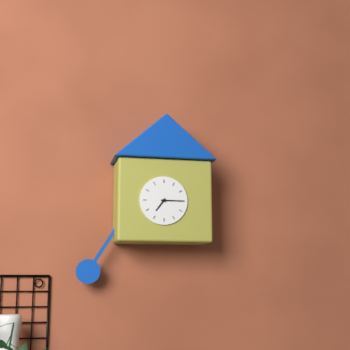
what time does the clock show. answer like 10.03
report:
7.15
